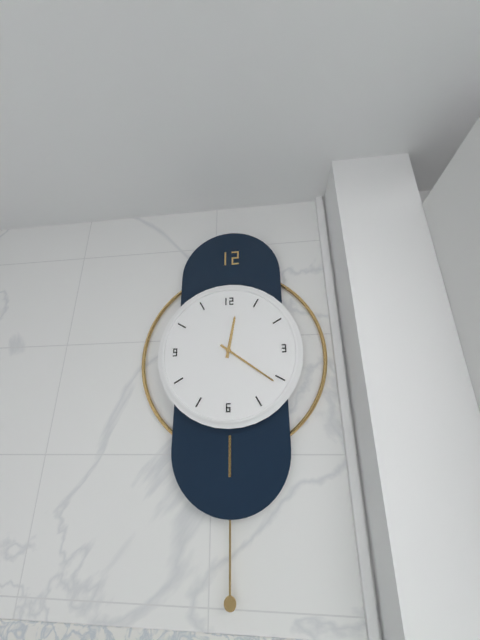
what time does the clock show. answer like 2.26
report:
12.21
